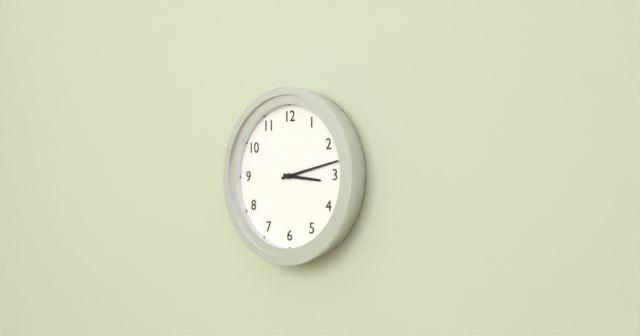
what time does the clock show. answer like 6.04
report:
3.13
